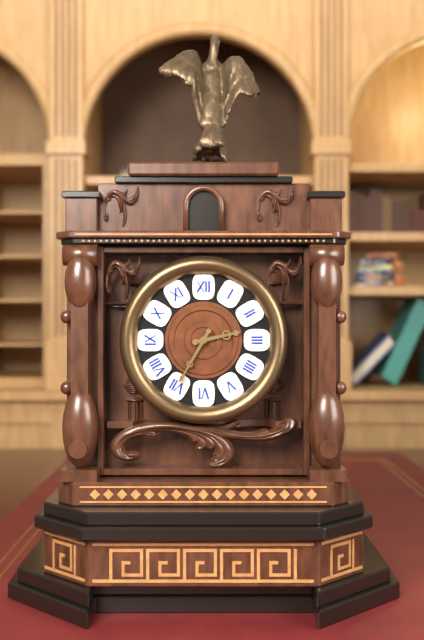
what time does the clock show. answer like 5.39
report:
2.35
